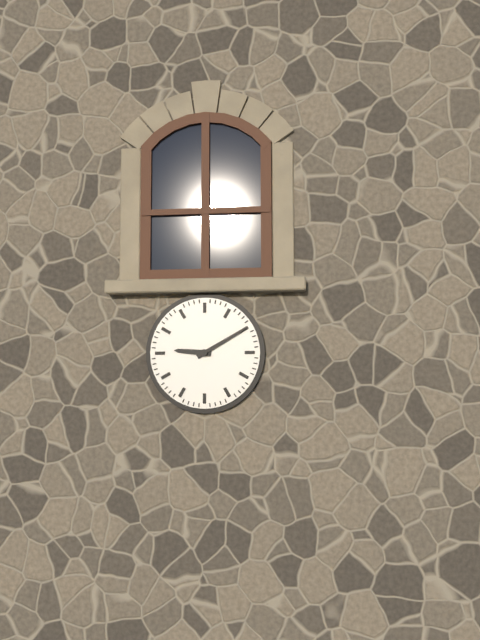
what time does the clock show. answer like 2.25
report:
9.10
